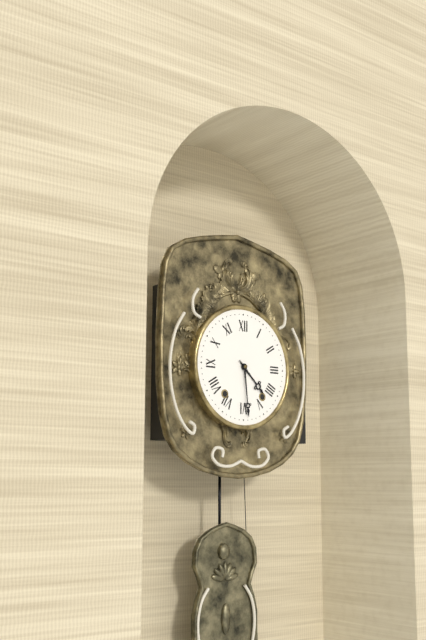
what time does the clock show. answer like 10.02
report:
4.29
